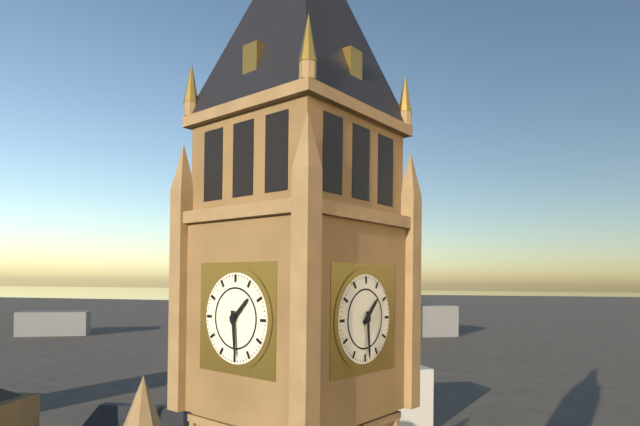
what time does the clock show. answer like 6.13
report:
1.29
